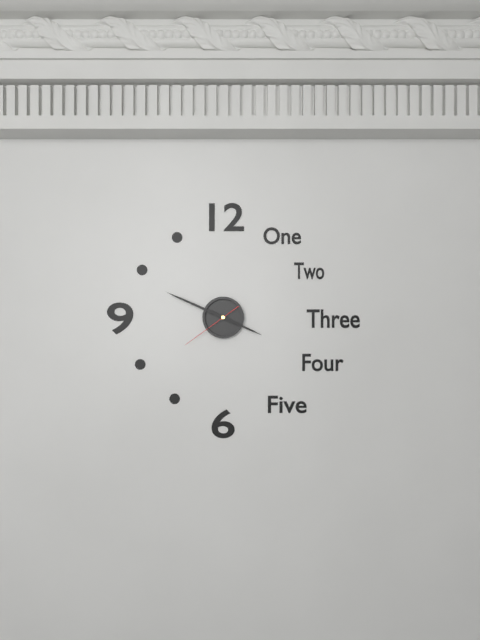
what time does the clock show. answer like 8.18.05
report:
3.49.39
